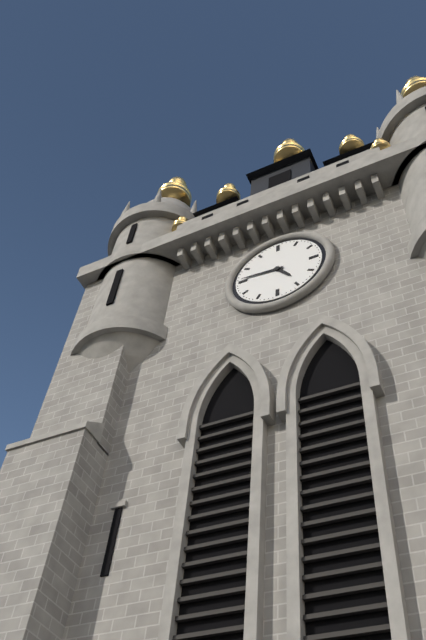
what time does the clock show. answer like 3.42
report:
4.46
